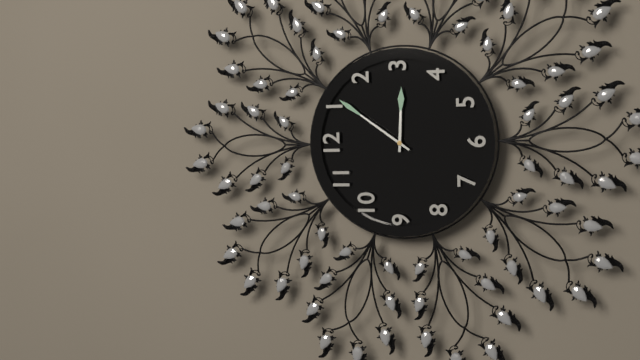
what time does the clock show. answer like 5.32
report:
3.06
